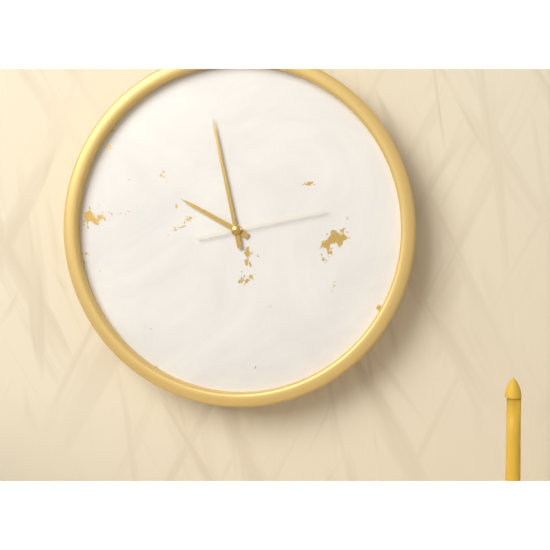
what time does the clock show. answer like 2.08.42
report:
9.58.13
